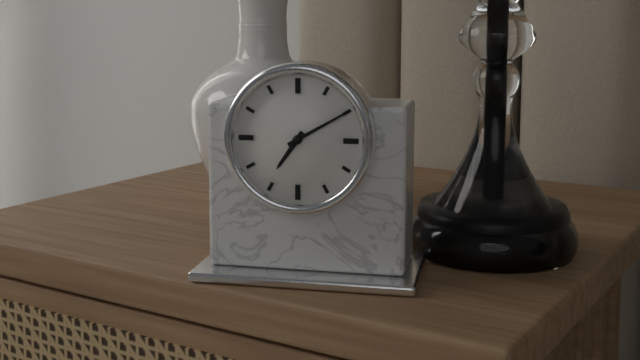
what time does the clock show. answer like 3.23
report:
7.10
